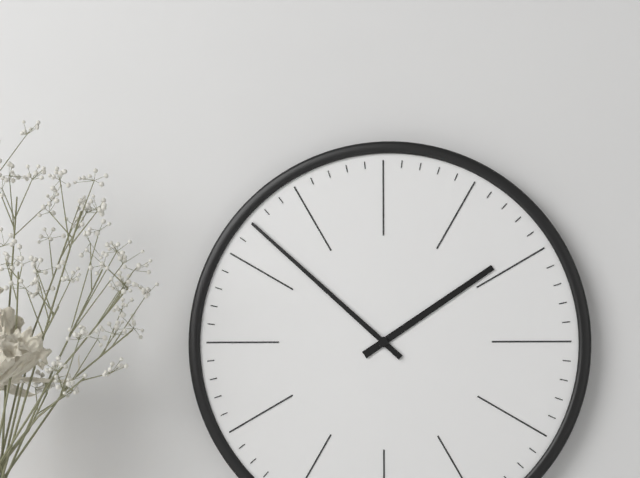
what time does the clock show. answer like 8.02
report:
1.52
